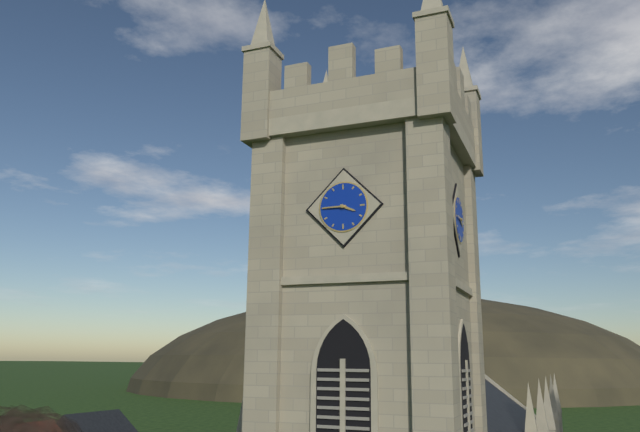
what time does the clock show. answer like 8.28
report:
3.45
